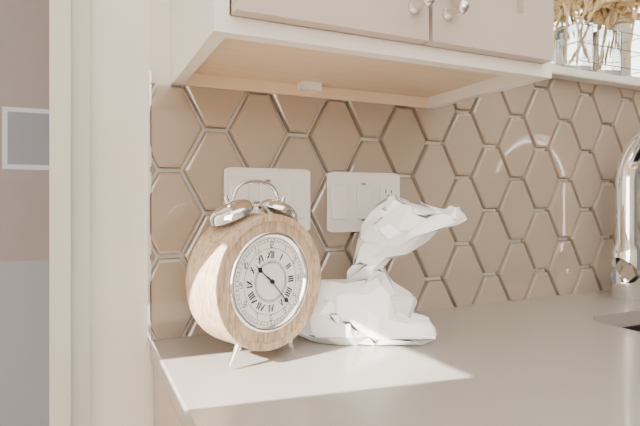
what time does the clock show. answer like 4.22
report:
10.23
